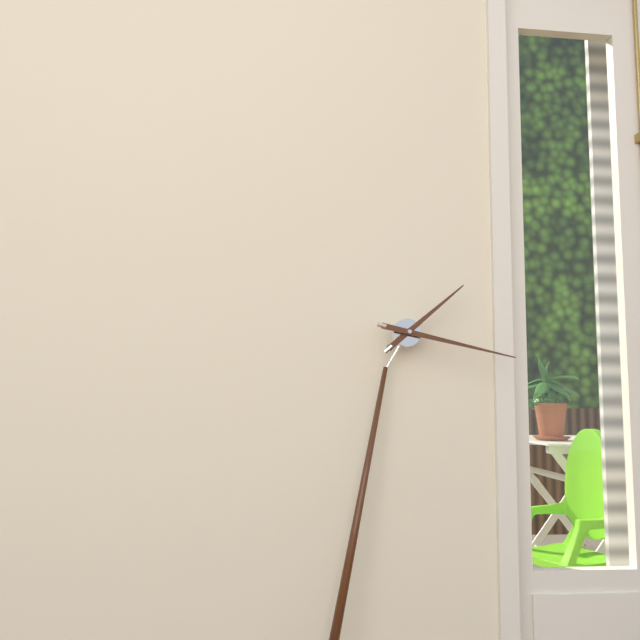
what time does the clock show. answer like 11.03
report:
1.15
